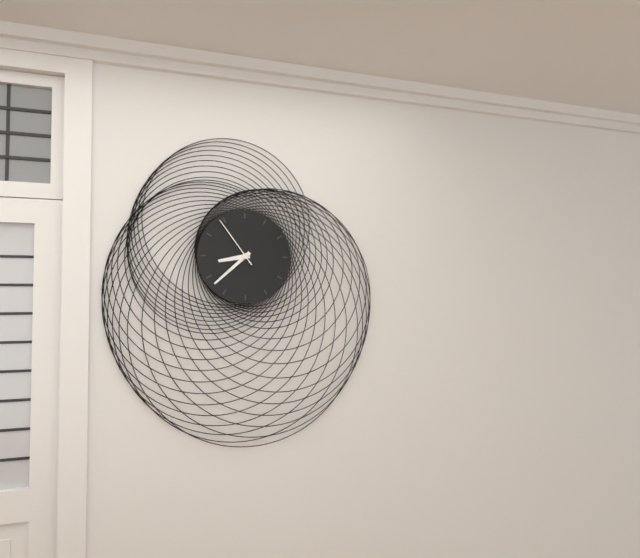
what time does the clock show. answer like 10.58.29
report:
8.38.54
